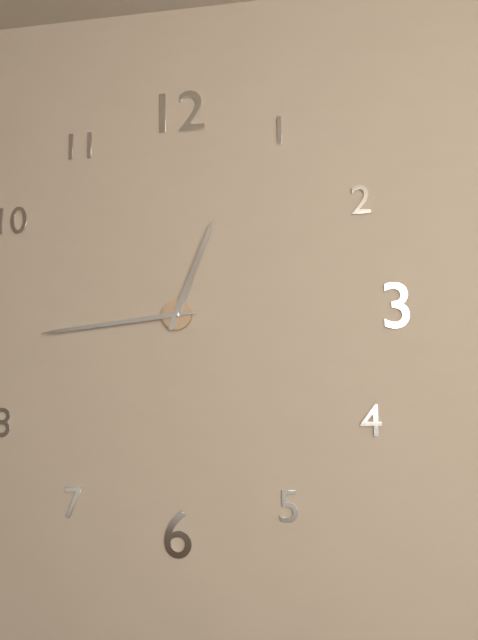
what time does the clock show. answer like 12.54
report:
12.44
